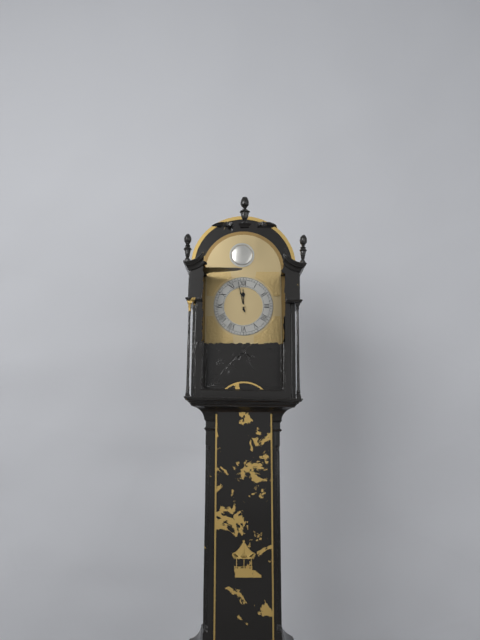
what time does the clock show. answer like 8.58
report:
11.58
